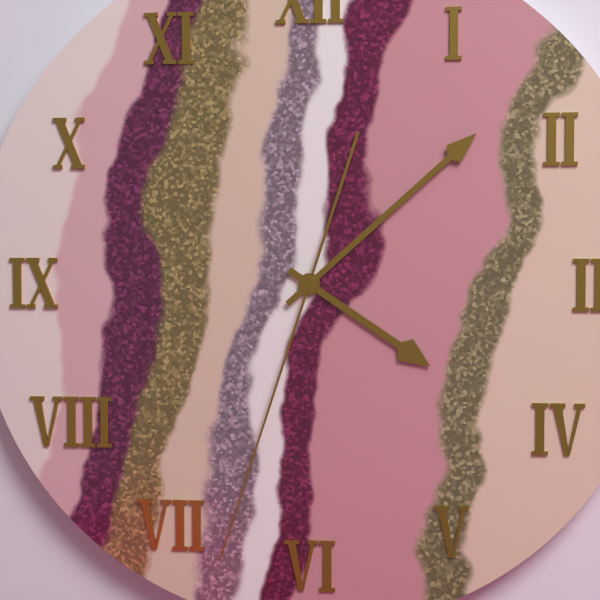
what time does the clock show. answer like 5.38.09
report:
4.08.33
